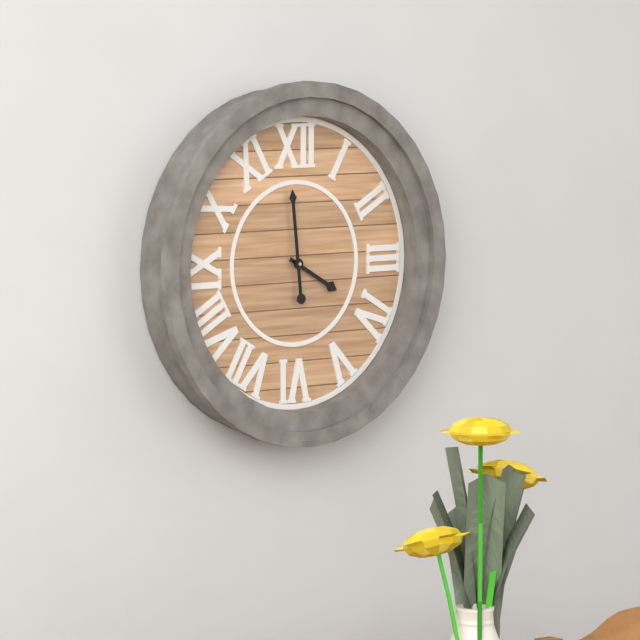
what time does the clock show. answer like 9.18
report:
3.59
